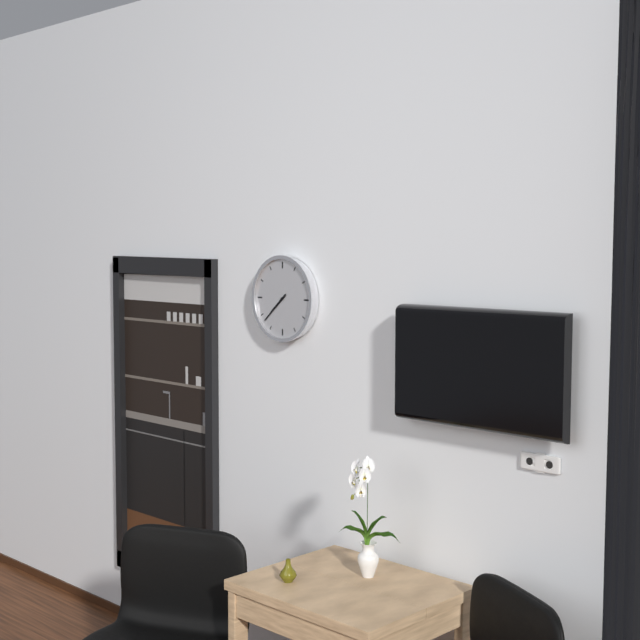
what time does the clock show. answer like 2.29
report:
7.38
